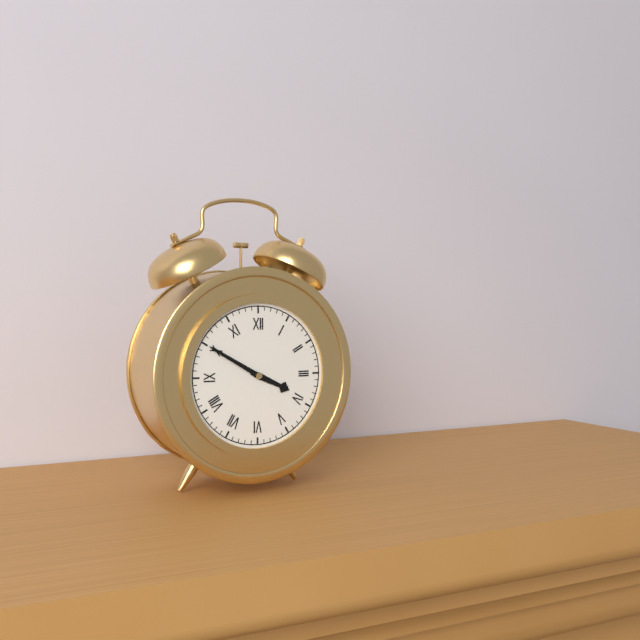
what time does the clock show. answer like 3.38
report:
3.50
